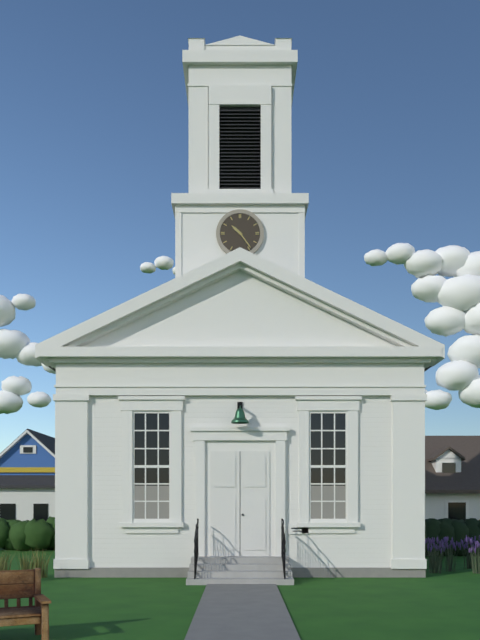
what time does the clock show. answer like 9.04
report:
10.24
